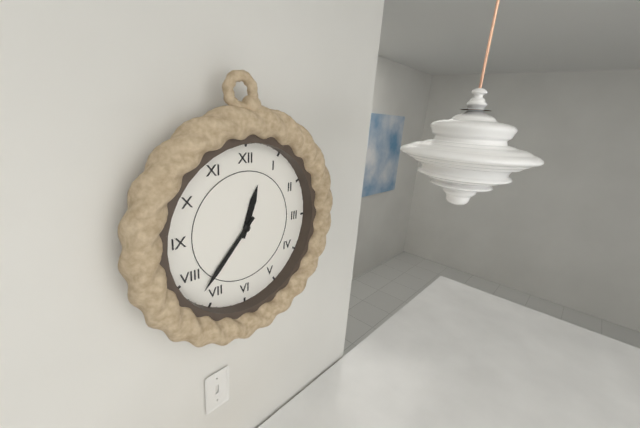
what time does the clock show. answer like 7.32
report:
12.37
